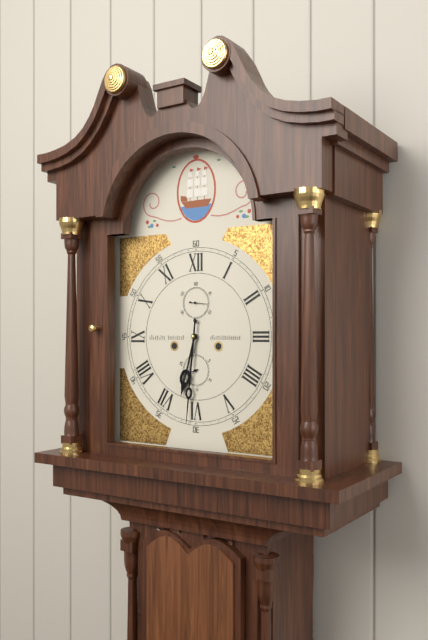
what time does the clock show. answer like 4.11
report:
6.31
